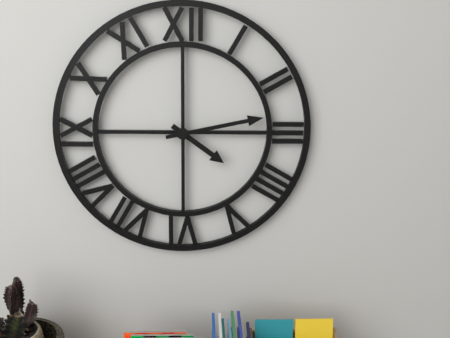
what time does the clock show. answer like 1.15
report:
4.13
